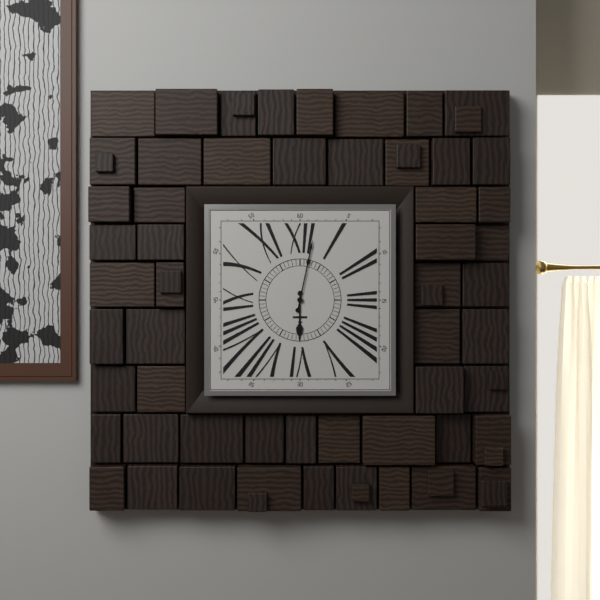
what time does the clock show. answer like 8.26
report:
6.02
